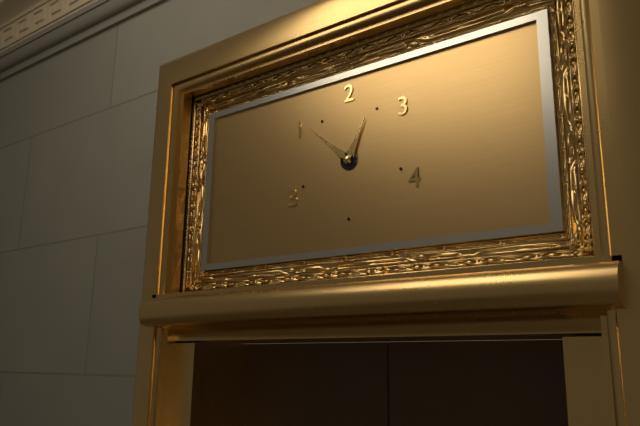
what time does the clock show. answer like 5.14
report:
12.52
